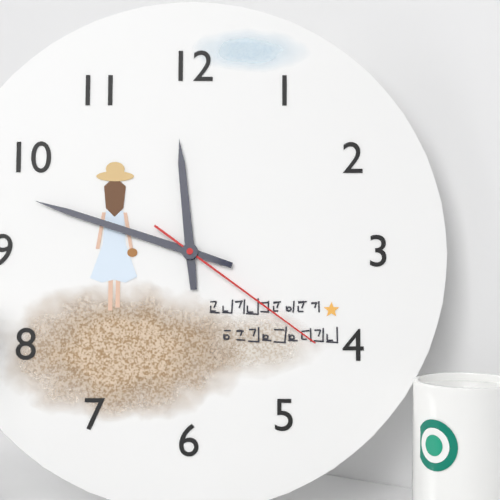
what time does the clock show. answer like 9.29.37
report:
11.48.21
